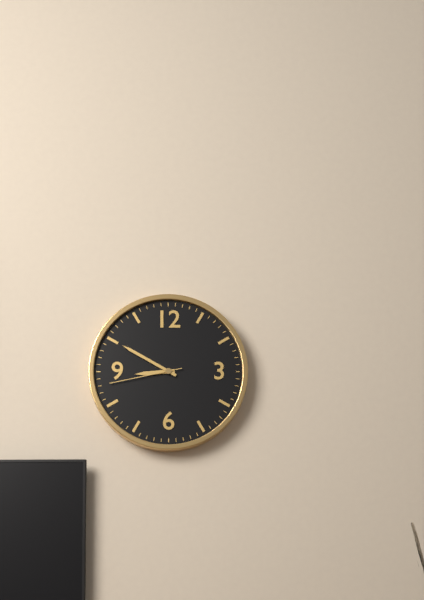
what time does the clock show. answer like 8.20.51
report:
8.50.43
